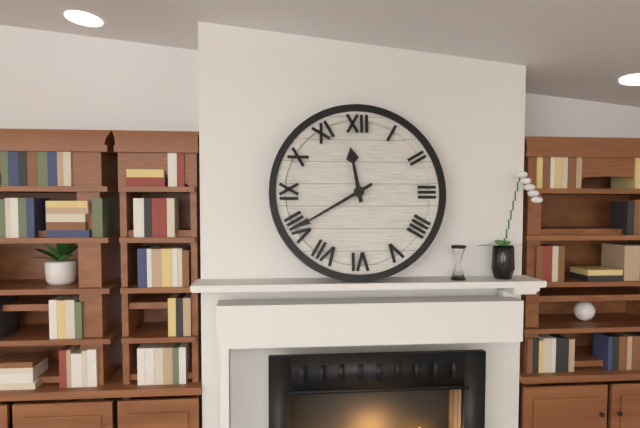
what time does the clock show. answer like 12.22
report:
11.40
